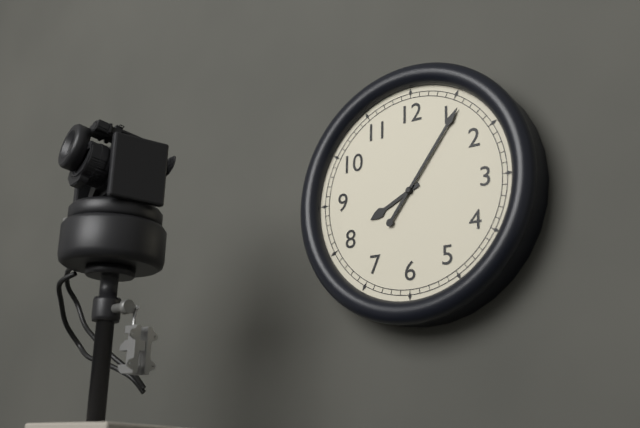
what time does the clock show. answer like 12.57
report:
8.06
